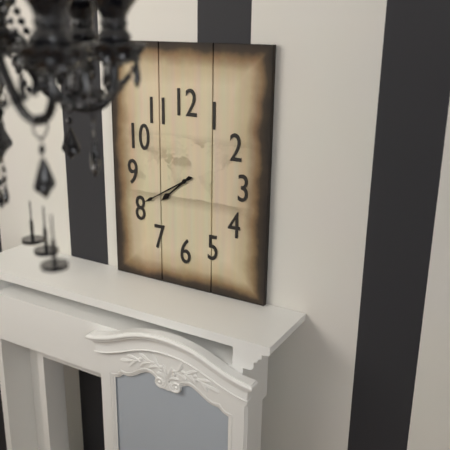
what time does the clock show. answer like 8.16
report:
7.40
